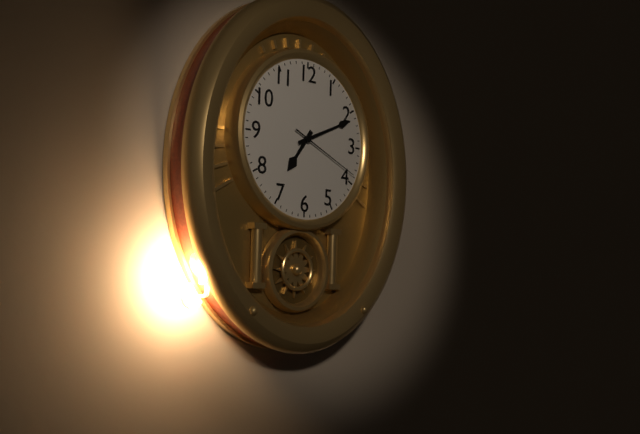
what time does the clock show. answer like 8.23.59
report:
7.11.19
